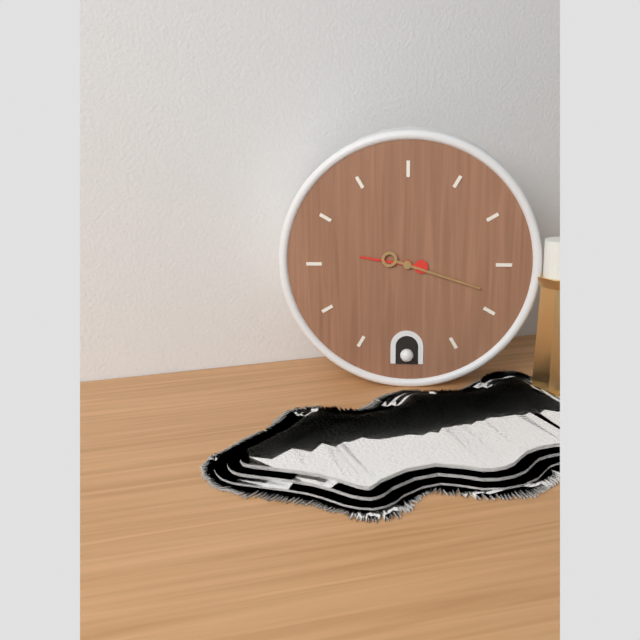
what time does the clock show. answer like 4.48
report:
9.18
